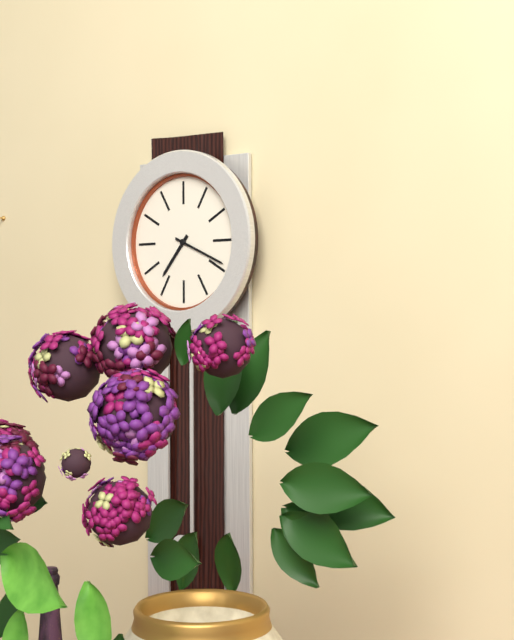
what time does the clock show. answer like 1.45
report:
7.19
